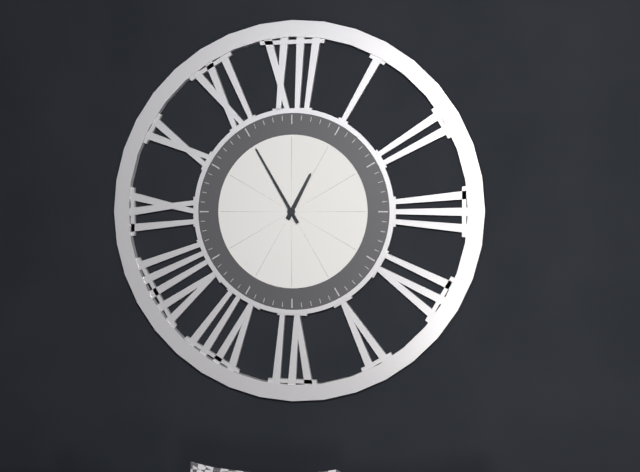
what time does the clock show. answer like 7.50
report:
12.55
